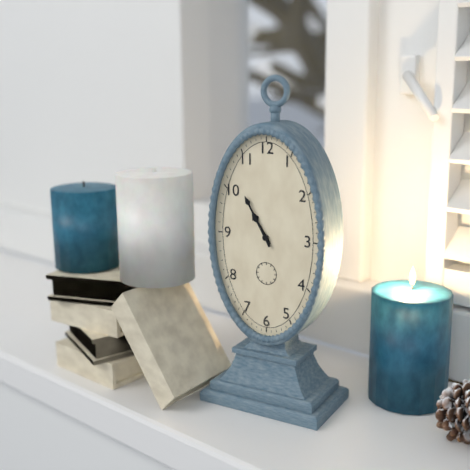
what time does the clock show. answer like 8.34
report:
10.55
